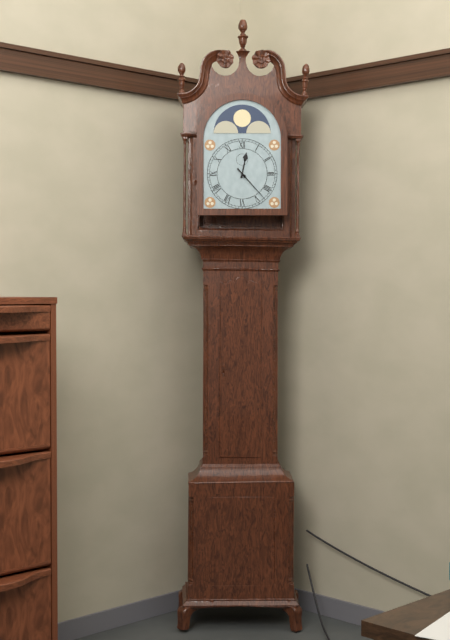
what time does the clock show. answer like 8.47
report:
12.23
